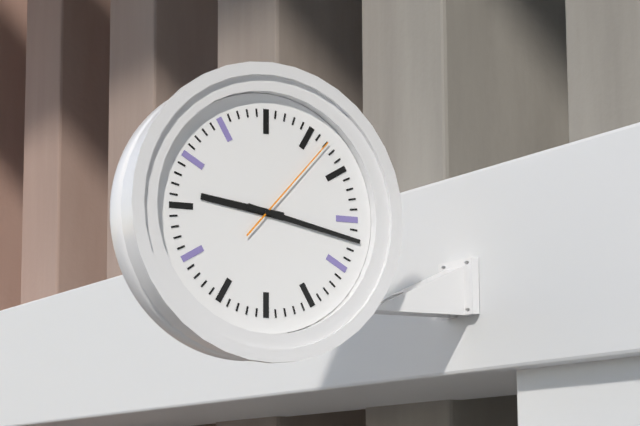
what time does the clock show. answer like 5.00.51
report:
9.17.07
